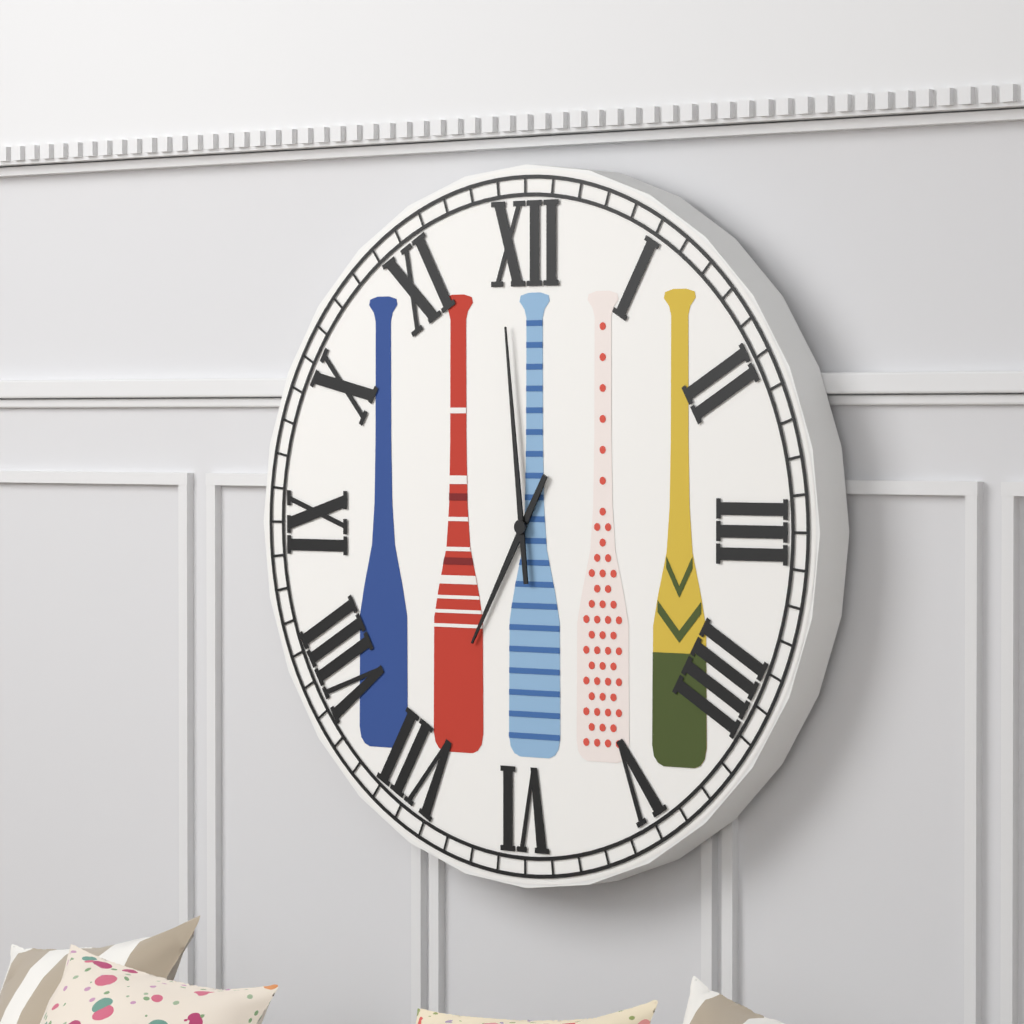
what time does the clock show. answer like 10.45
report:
6.59
